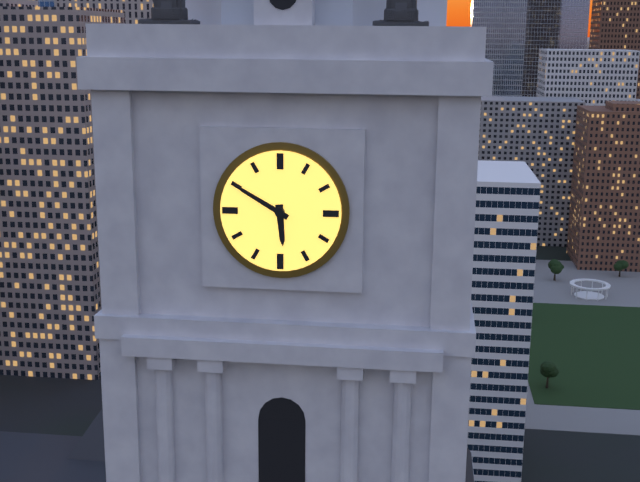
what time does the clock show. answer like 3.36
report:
5.50
